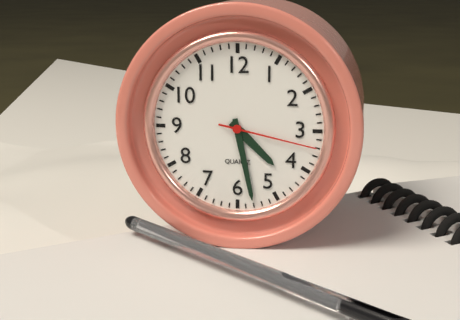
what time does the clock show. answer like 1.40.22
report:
4.28.17
